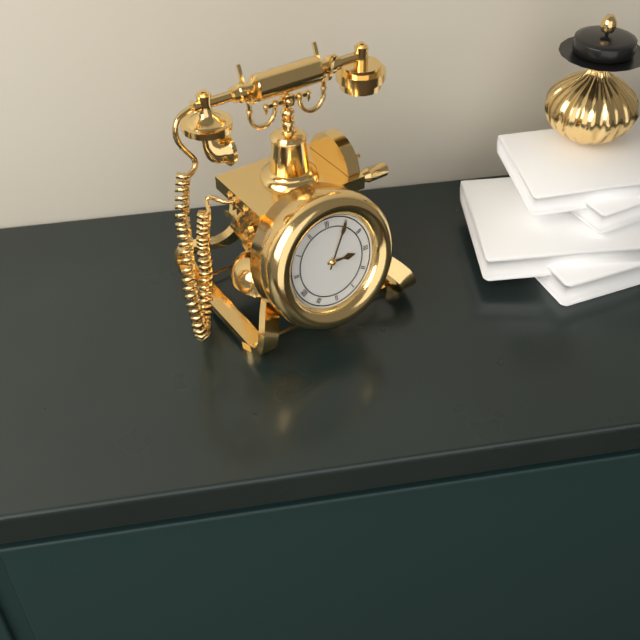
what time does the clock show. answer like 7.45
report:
3.05
